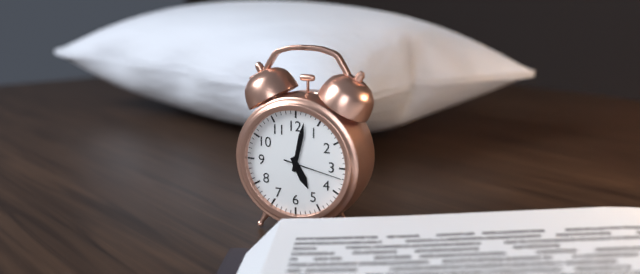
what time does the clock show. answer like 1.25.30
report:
5.02.17
